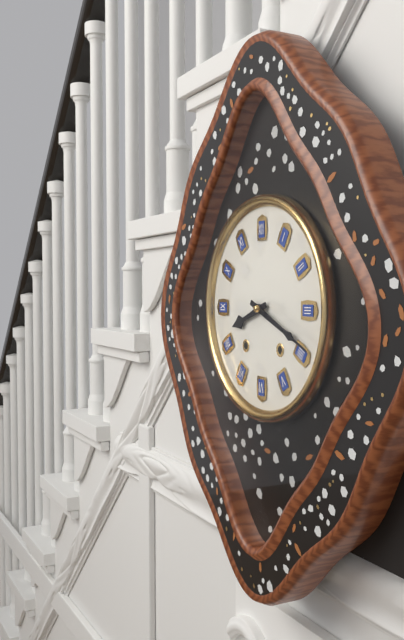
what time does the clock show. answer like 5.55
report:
8.19
